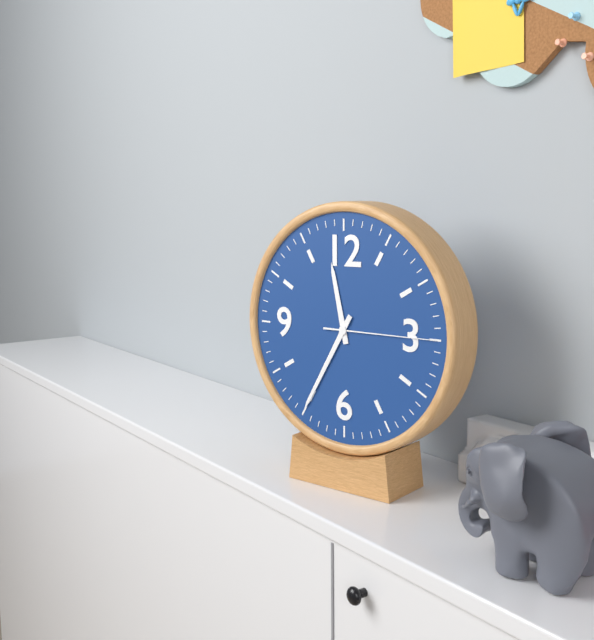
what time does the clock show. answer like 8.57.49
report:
11.35.15
